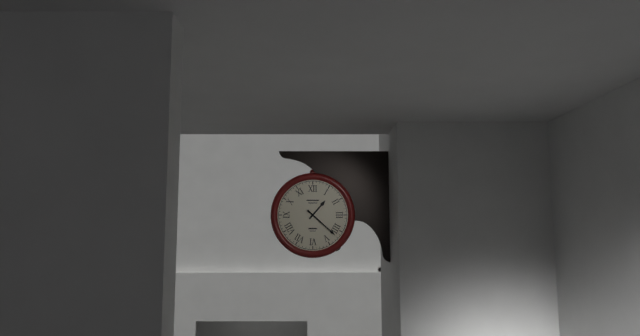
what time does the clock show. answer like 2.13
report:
1.22
